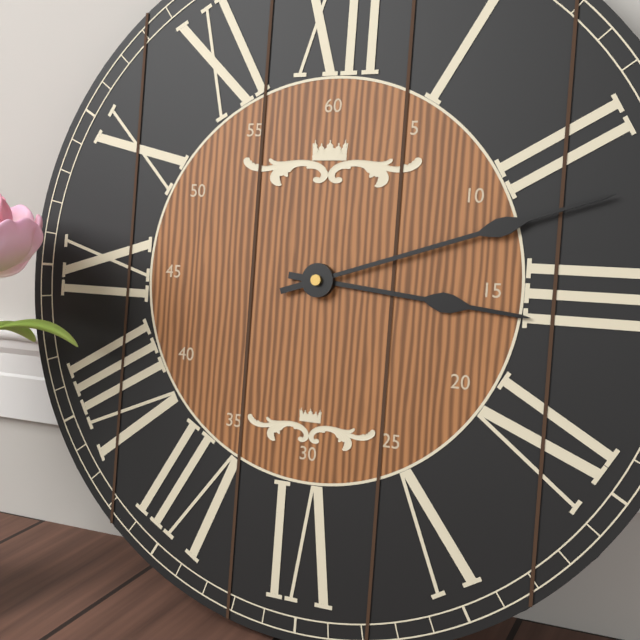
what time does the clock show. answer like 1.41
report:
3.12
